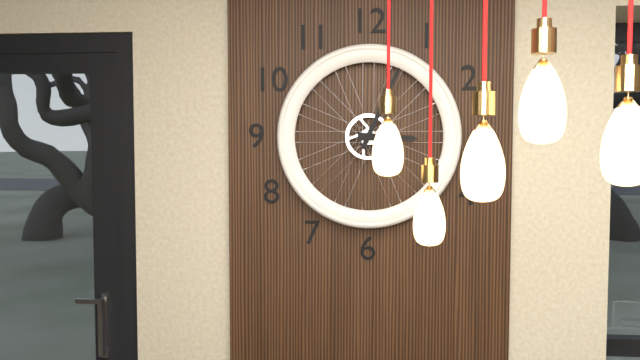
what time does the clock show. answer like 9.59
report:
3.04
